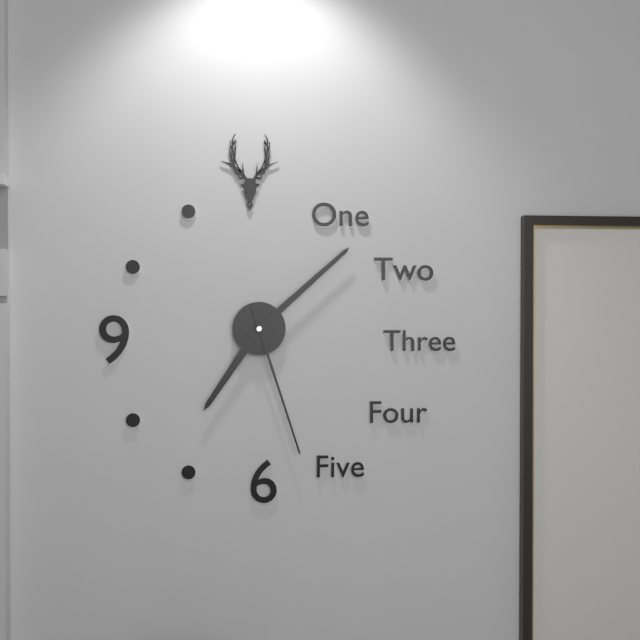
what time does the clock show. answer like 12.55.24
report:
7.08.27
